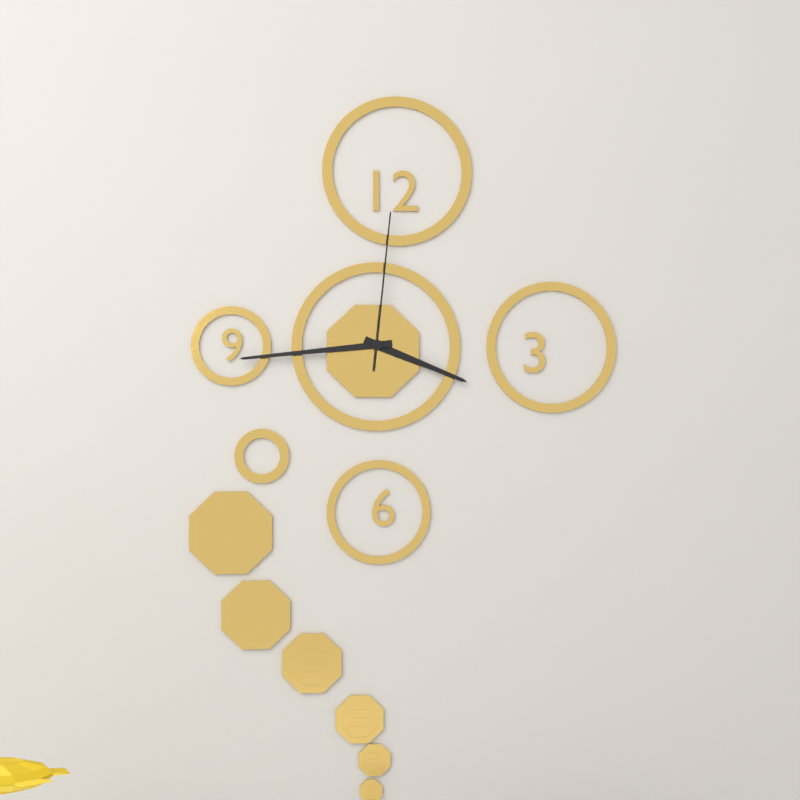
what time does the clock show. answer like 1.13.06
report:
3.44.01
